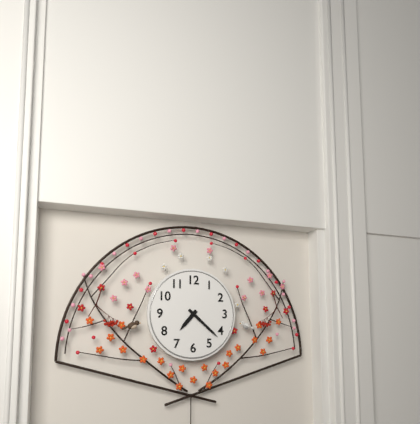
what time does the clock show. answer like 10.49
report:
7.22
